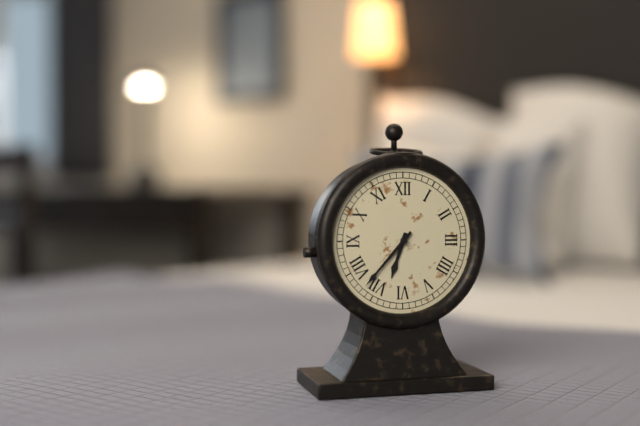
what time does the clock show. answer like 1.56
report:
6.37
